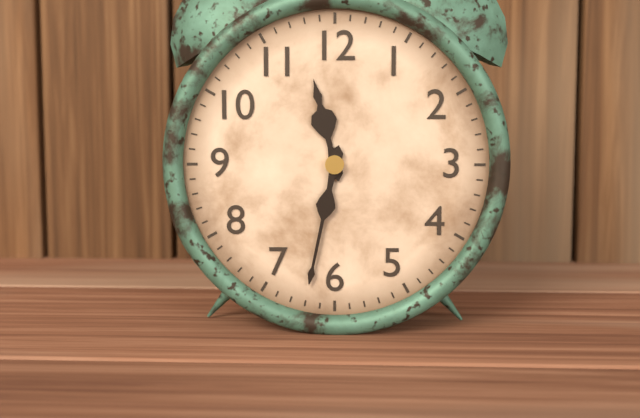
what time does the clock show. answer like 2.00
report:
11.32
